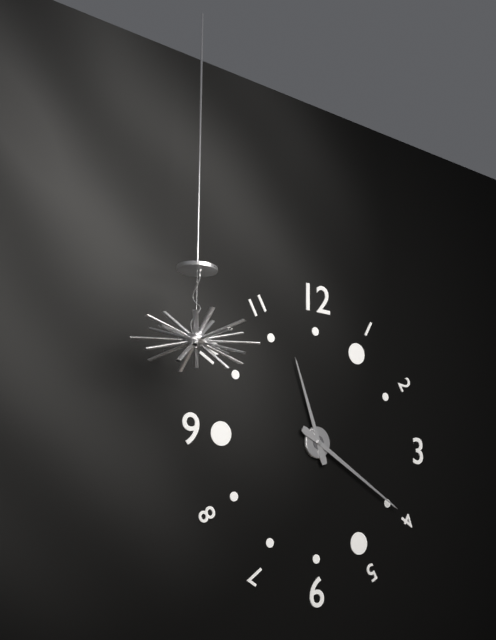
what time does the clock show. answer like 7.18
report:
11.20
